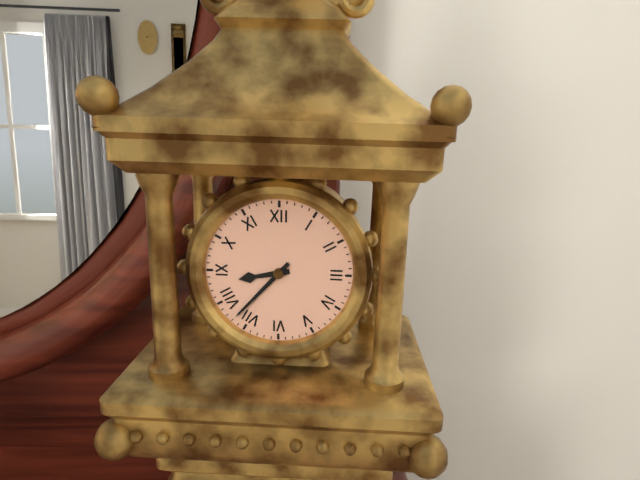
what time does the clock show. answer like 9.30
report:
8.37
